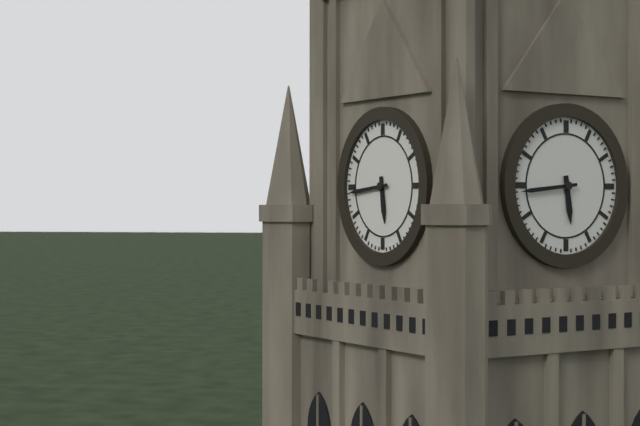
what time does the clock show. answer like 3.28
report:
5.44
